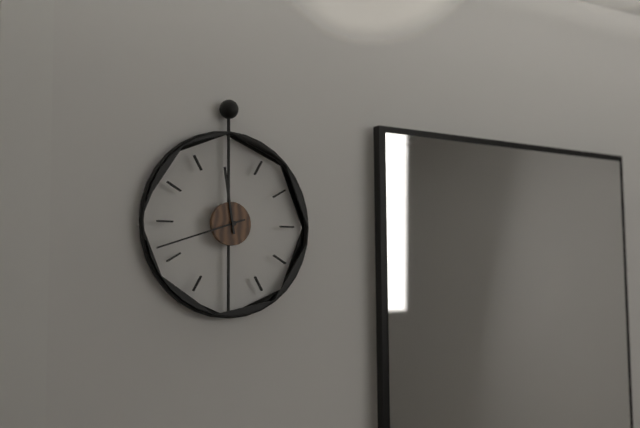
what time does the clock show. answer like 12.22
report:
11.42
